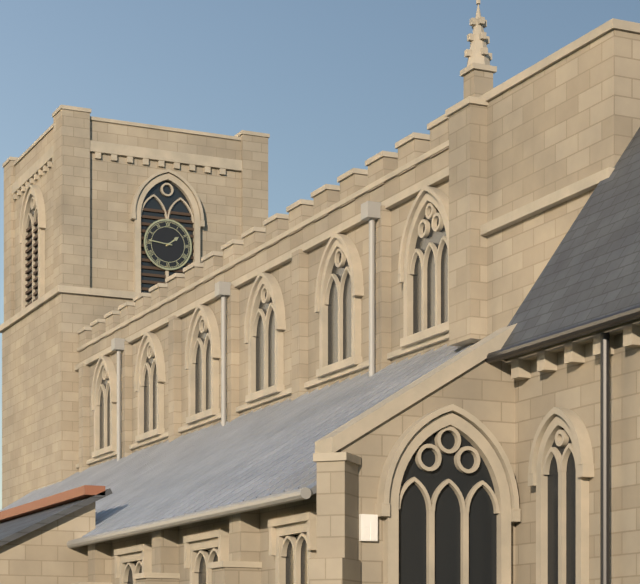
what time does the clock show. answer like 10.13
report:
1.46
